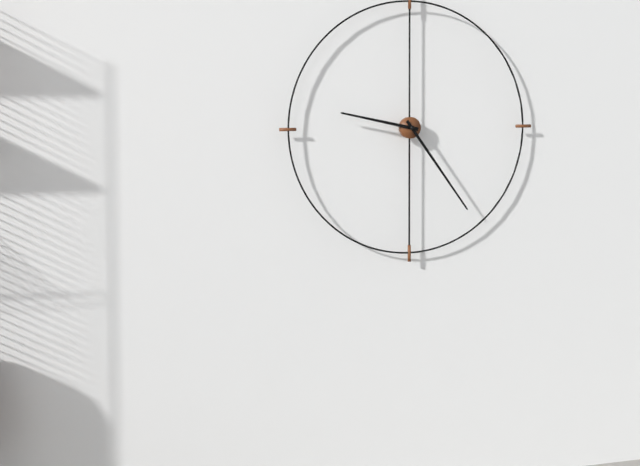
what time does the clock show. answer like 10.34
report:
9.24
